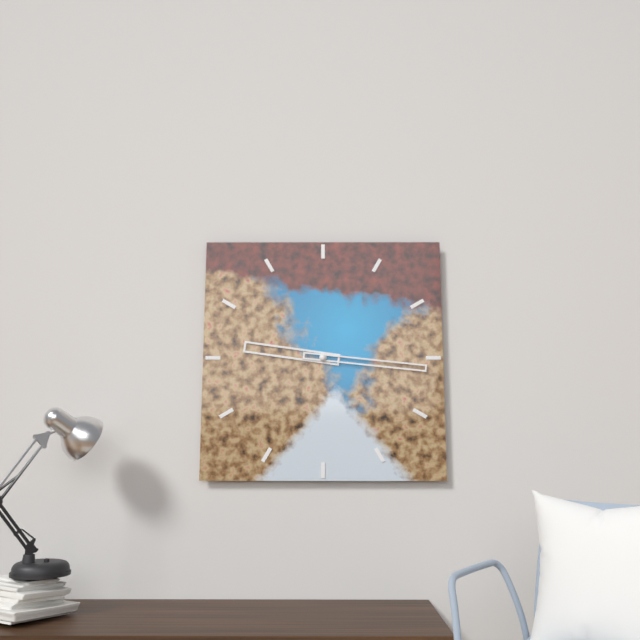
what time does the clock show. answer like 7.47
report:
9.16
